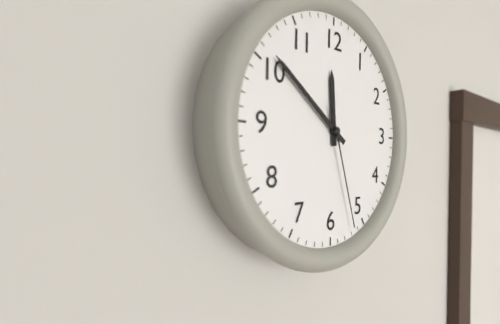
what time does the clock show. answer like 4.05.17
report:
11.51.27
